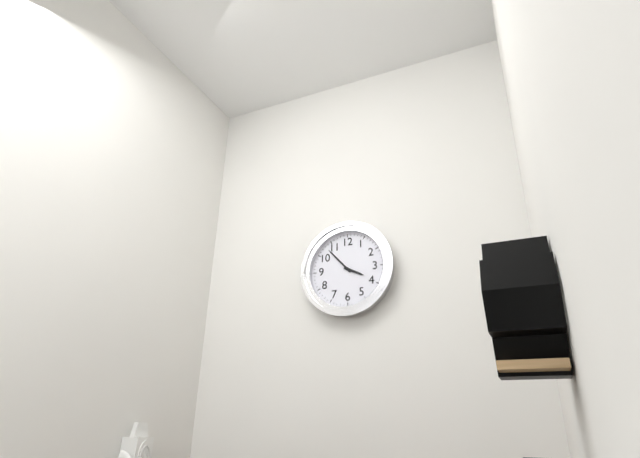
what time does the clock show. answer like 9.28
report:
3.53
